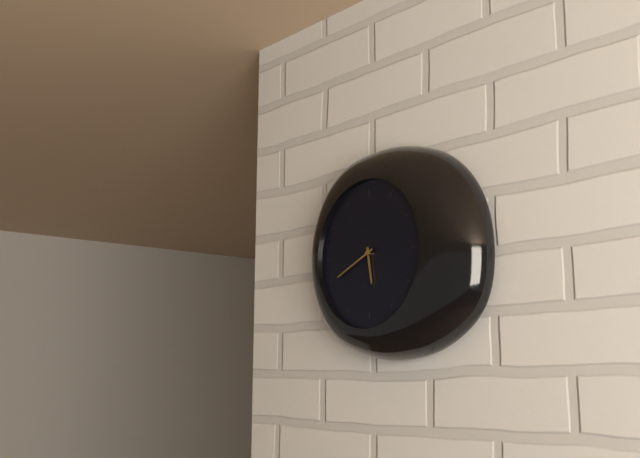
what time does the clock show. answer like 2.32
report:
5.41
